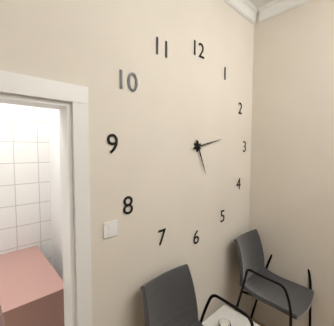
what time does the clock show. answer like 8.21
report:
5.13
